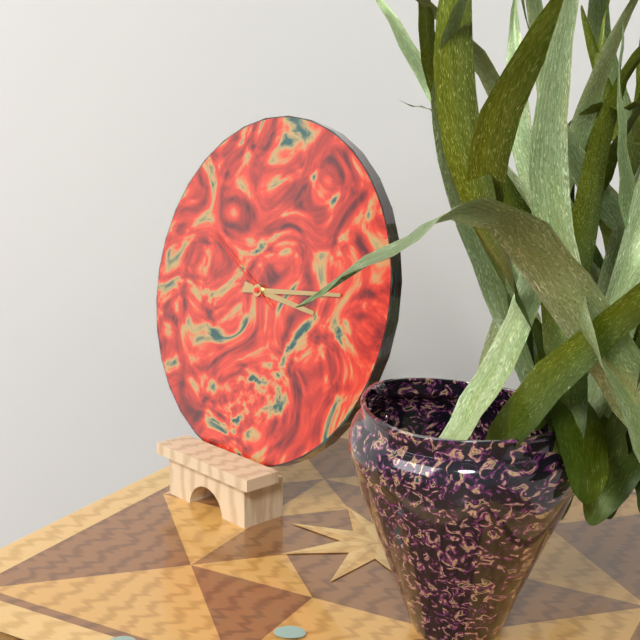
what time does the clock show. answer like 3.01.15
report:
3.14.50
